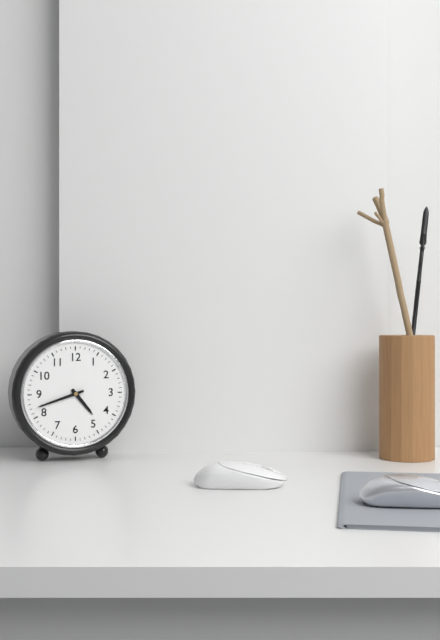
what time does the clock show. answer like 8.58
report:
4.42
